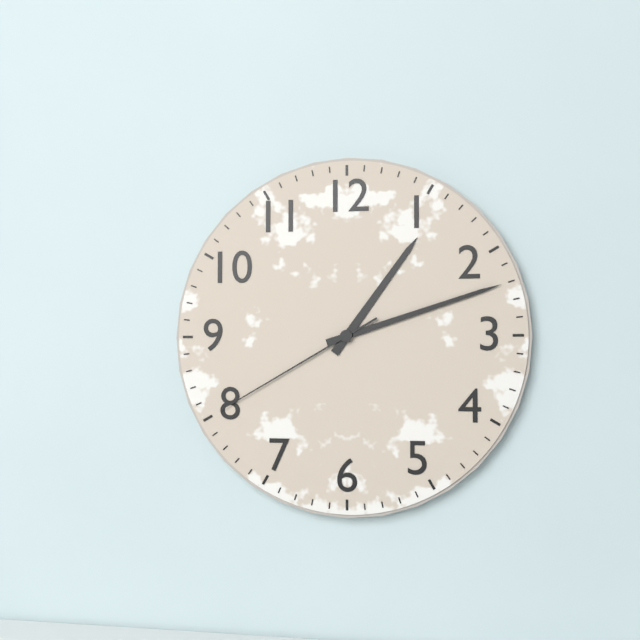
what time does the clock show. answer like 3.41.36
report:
1.12.40
